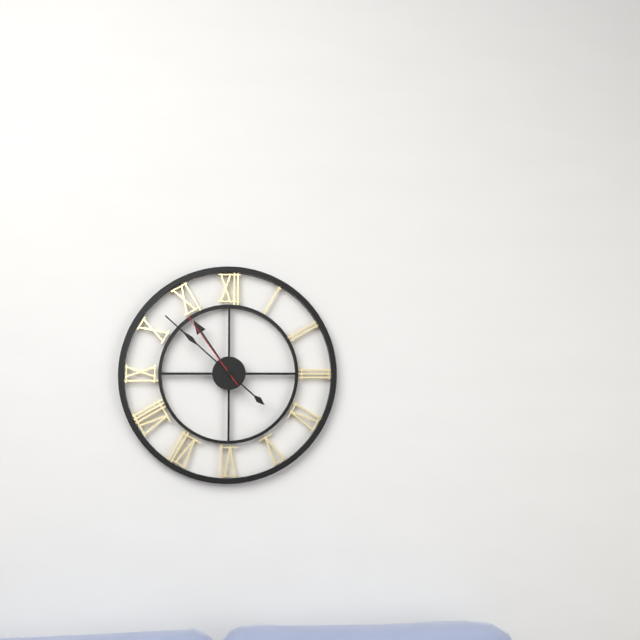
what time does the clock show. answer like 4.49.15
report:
10.52.54
